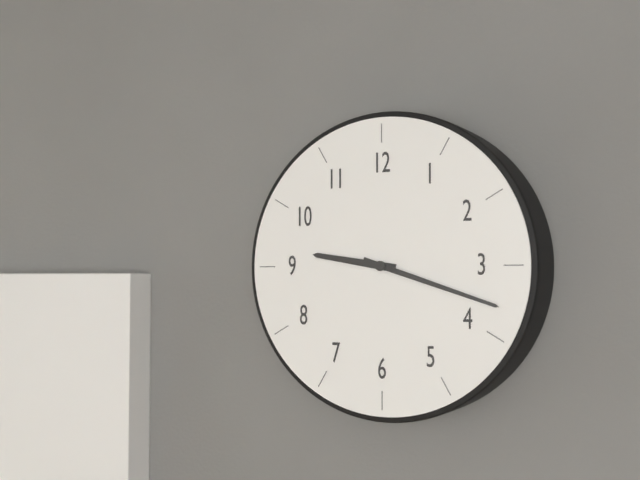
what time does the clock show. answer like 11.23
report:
9.18
